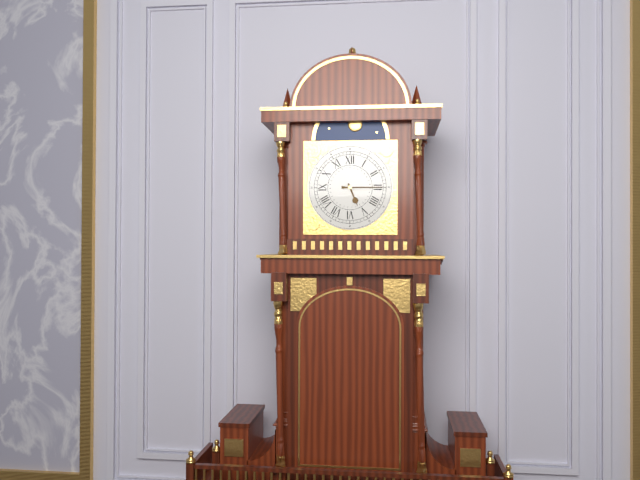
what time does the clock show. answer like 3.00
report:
5.15
